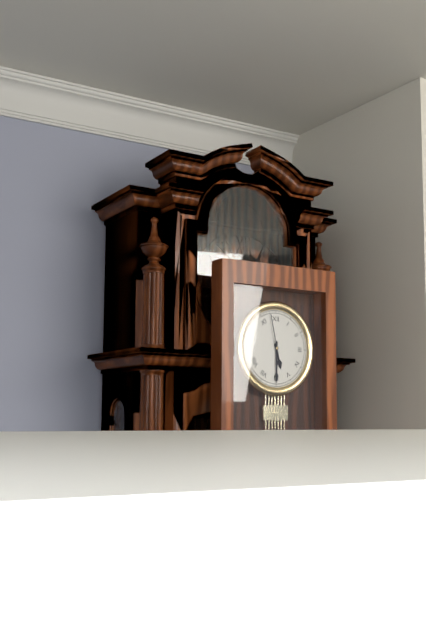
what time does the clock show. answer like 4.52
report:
5.30
